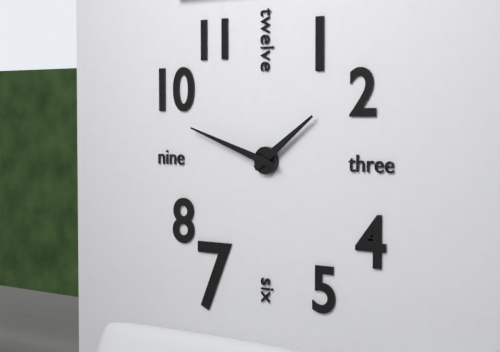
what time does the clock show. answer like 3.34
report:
1.48
